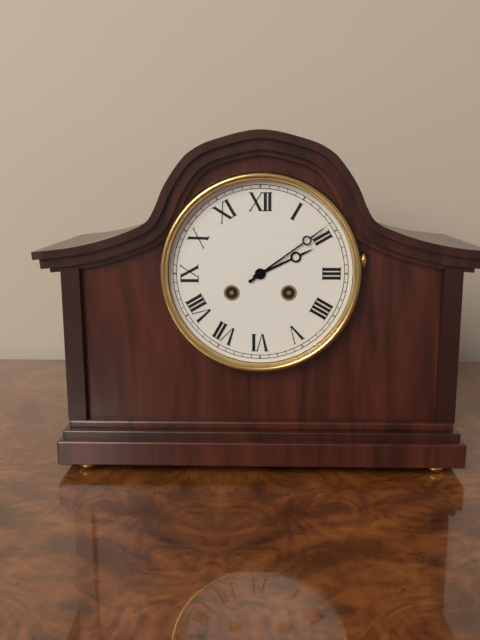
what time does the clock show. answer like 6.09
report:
2.09
